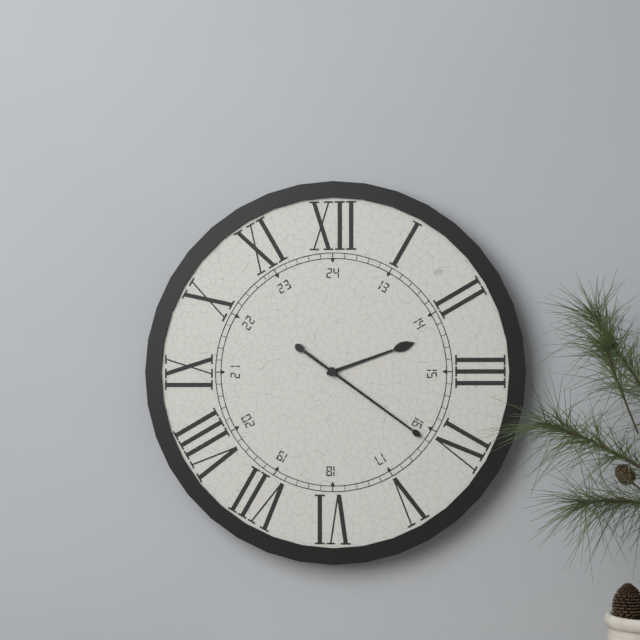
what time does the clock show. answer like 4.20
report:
2.21
